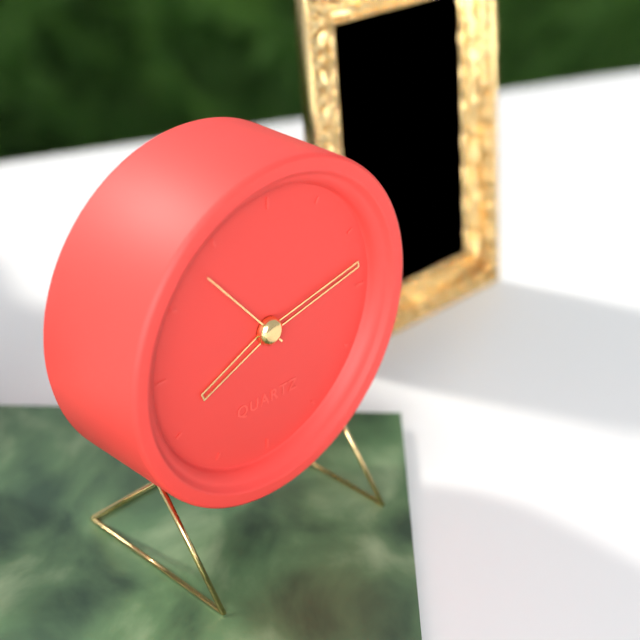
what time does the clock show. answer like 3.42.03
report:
8.13.53
